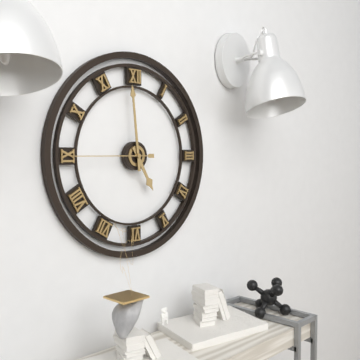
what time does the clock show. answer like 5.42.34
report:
4.59.45
